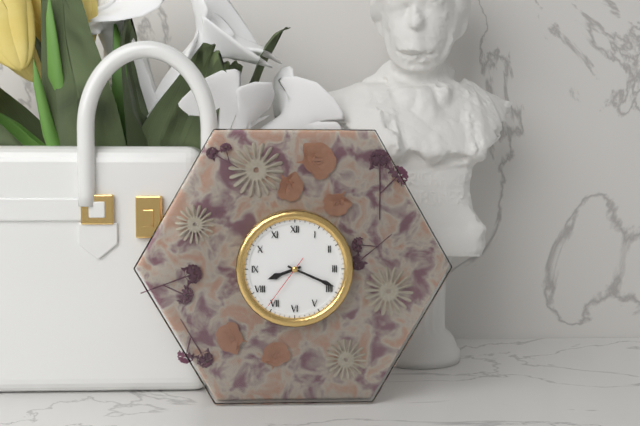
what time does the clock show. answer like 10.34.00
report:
8.19.36
